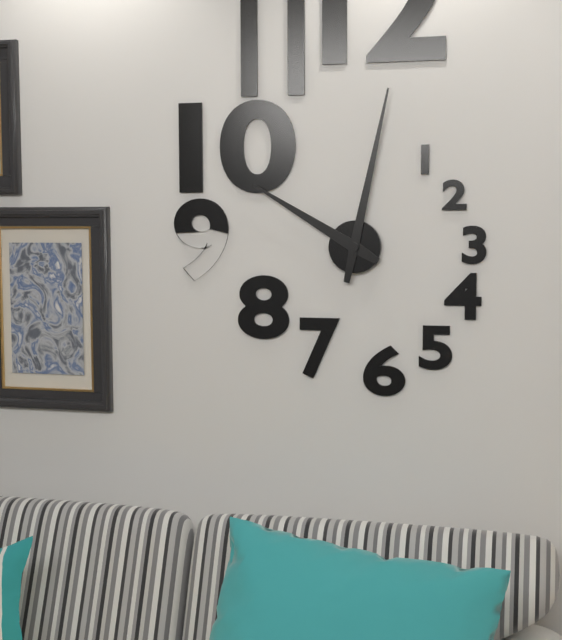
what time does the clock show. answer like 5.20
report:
10.02
